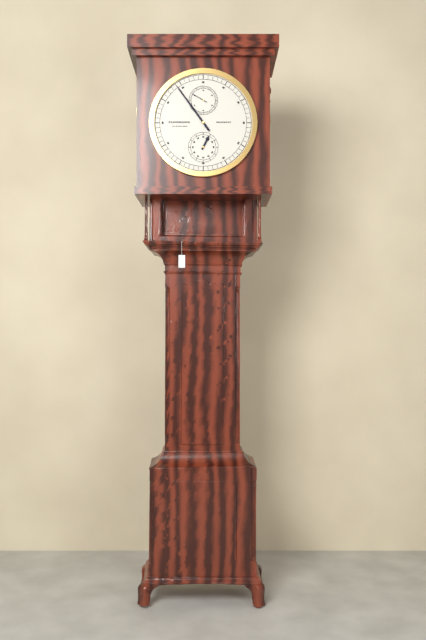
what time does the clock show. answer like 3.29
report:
12.54
